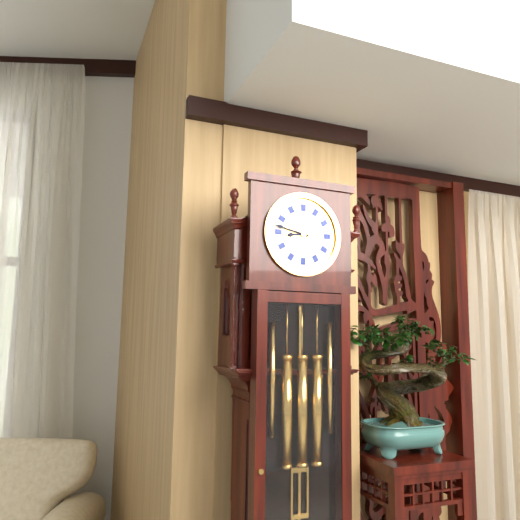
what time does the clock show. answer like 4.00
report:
8.47
